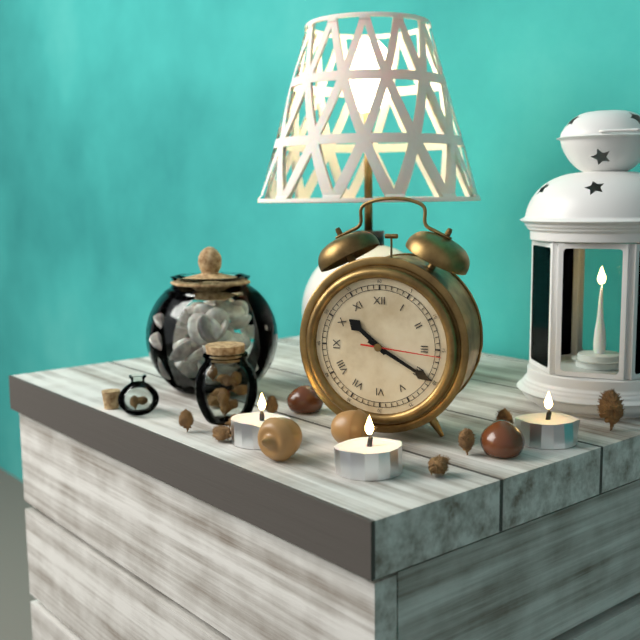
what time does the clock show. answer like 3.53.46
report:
10.20.16
